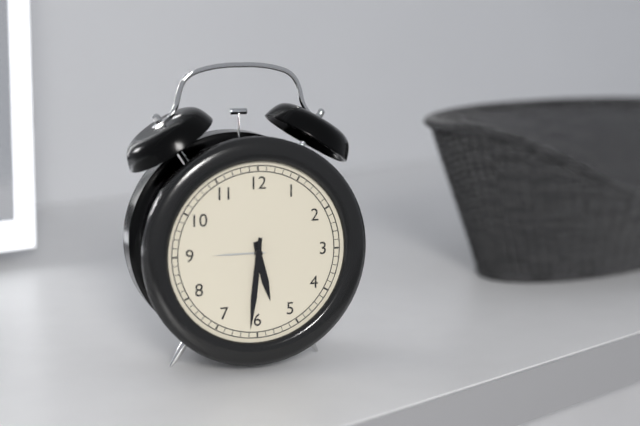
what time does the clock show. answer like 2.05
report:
5.31
